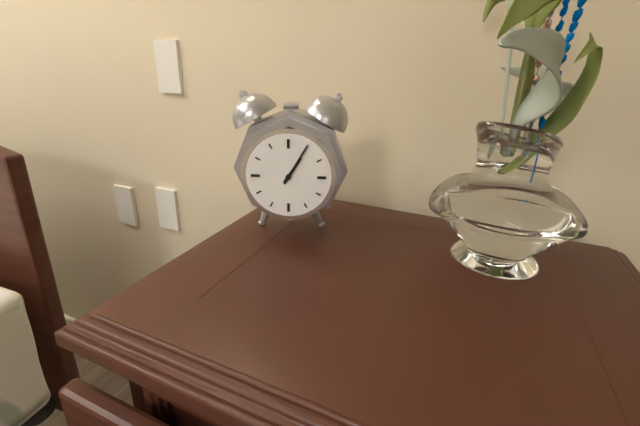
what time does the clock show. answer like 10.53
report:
1.05
